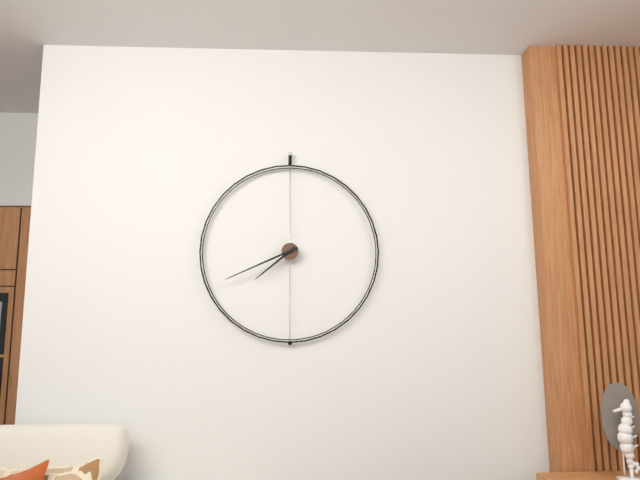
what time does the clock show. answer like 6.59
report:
7.41
